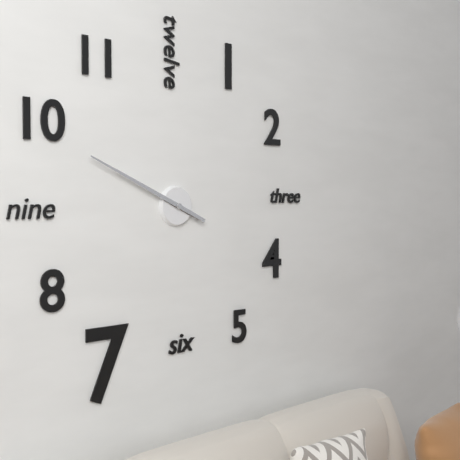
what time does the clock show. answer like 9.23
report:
9.49
